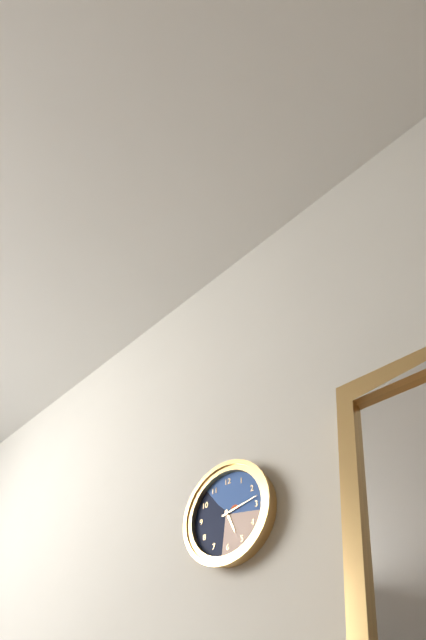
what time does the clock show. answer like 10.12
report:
5.13
